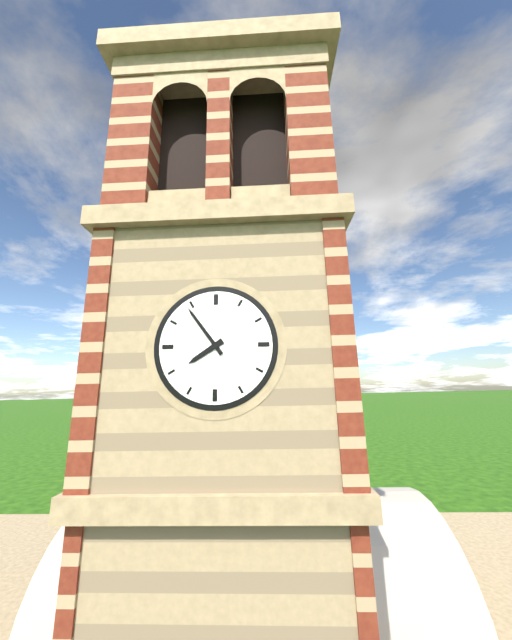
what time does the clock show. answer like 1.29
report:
7.54
